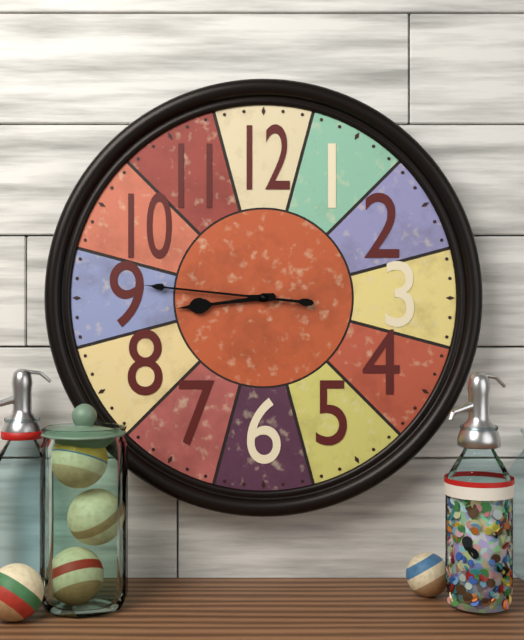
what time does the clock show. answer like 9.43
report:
8.46
